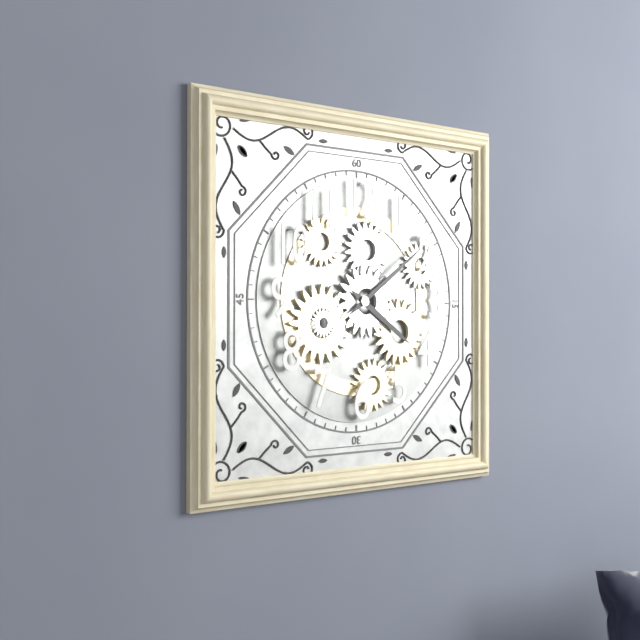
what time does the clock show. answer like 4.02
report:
4.09
